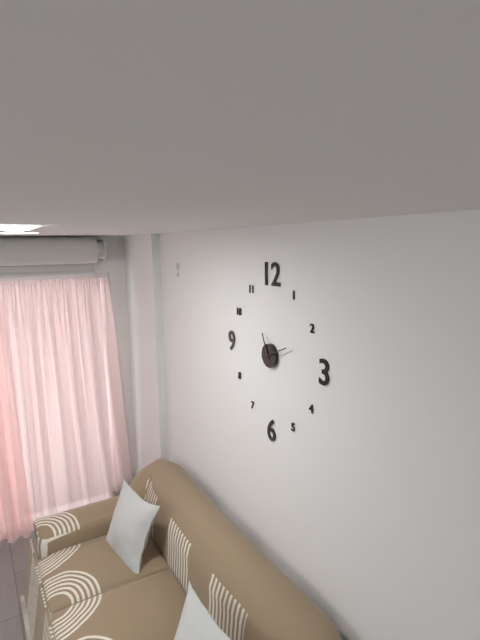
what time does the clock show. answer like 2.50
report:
11.11
